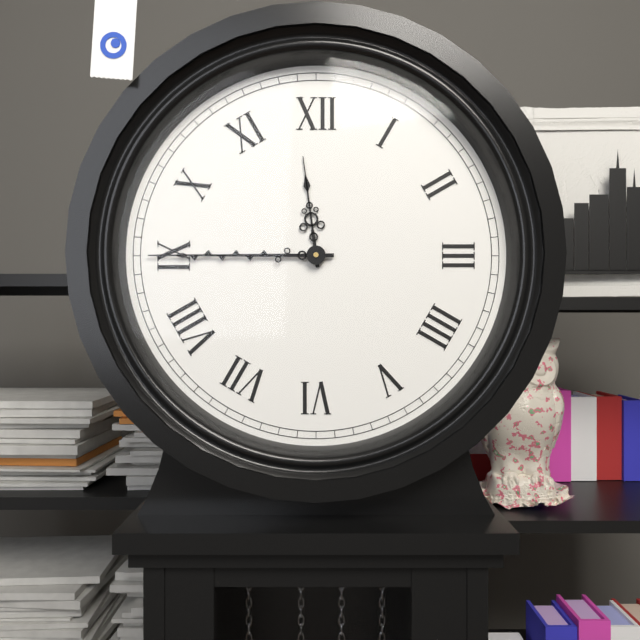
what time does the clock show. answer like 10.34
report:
11.45
